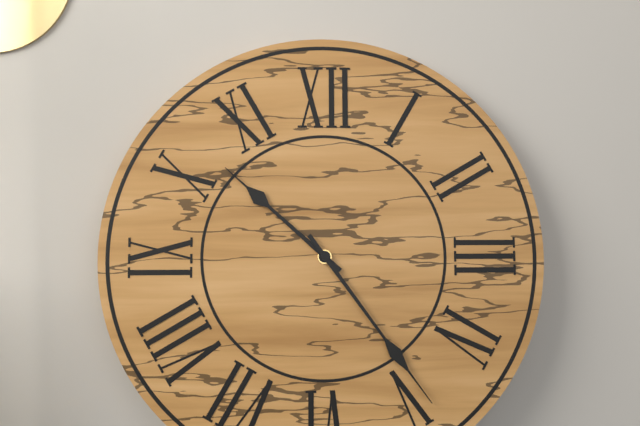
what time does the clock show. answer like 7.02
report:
10.24
